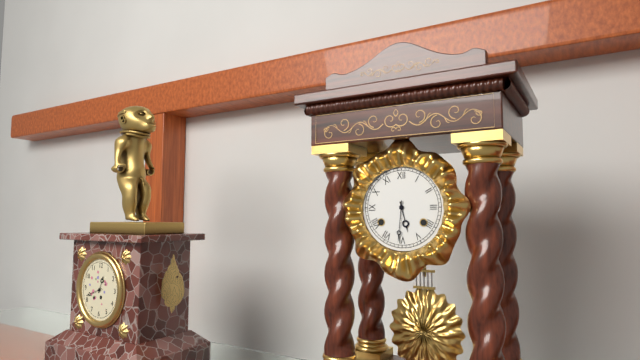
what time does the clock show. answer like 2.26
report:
5.31
